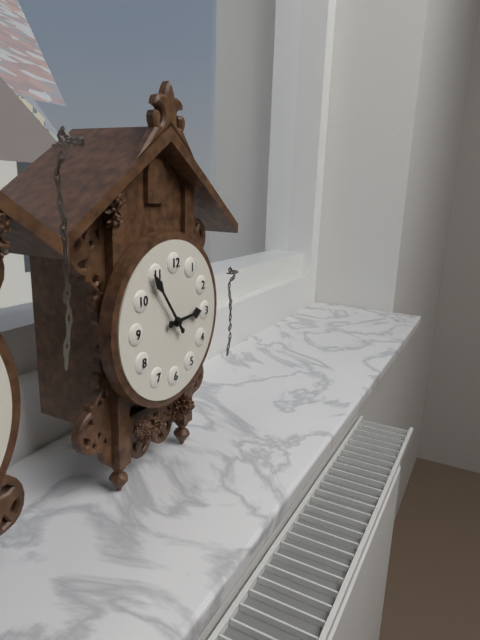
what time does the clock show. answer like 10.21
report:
2.54
